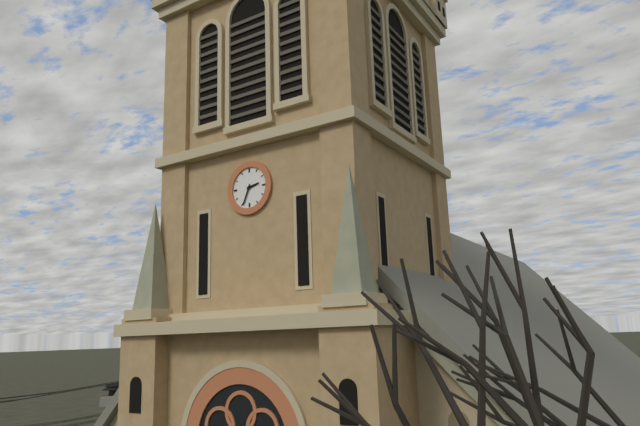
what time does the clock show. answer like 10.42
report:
2.34
